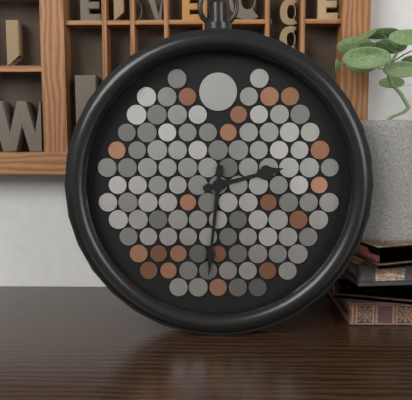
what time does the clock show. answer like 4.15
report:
2.31
